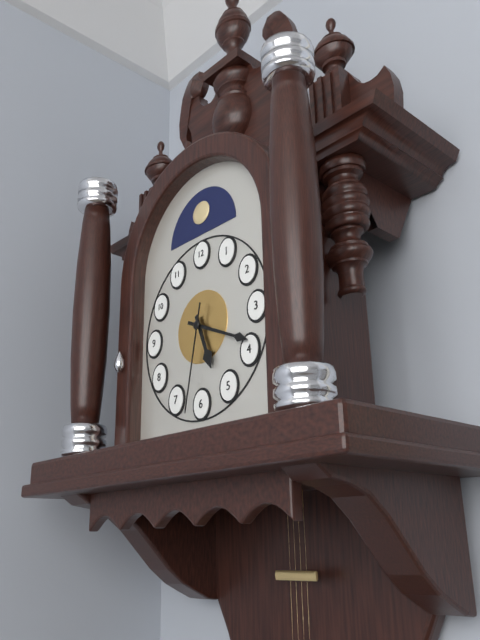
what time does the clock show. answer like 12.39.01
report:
5.19.32
